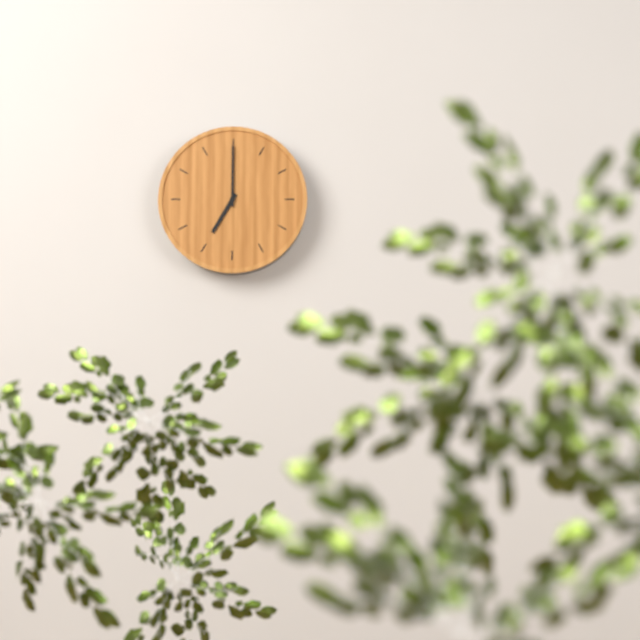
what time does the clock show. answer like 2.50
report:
7.00
